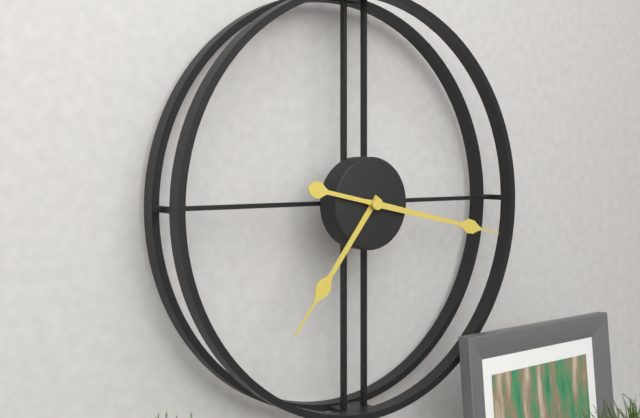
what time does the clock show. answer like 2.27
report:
7.17
